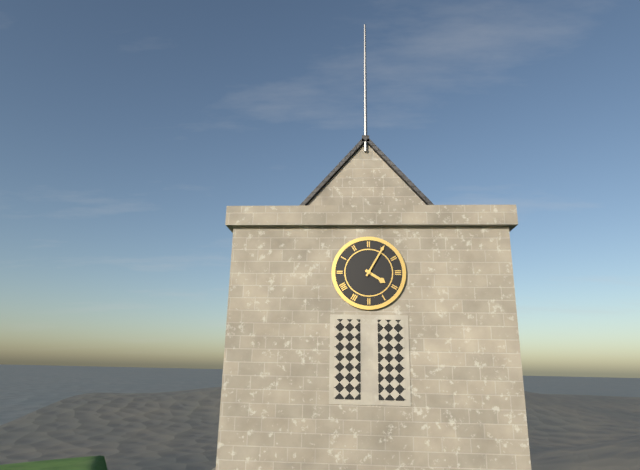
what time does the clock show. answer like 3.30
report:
4.05
